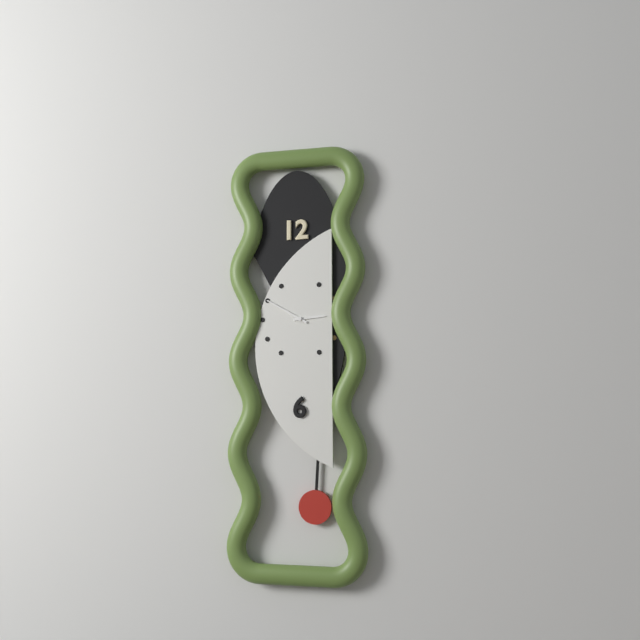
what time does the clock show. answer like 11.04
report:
2.50
